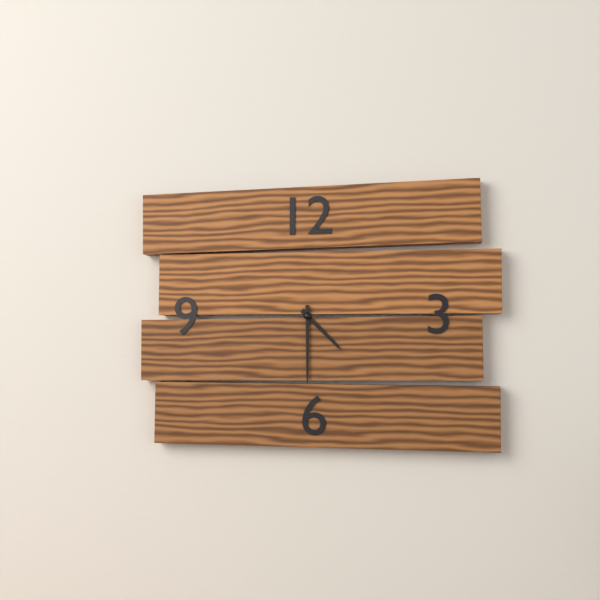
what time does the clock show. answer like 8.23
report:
4.30
